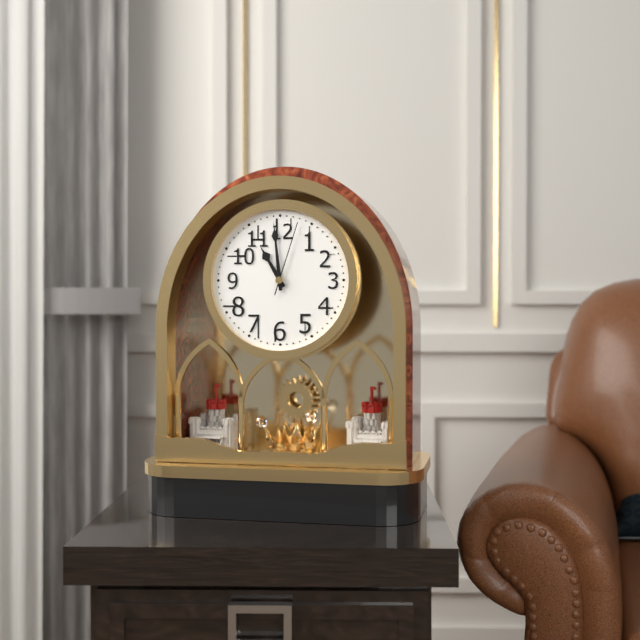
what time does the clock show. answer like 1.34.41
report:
10.59.03
